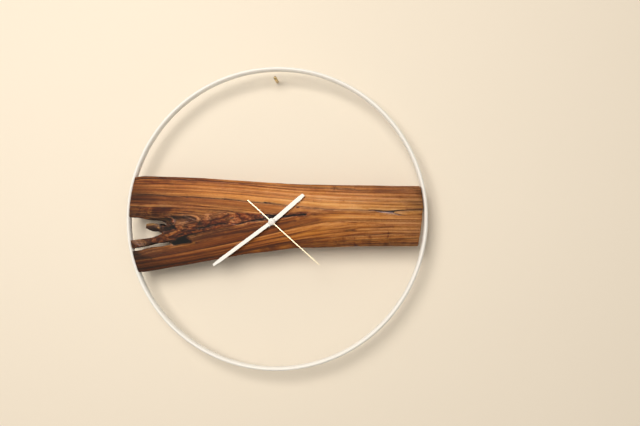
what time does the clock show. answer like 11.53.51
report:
1.39.22
